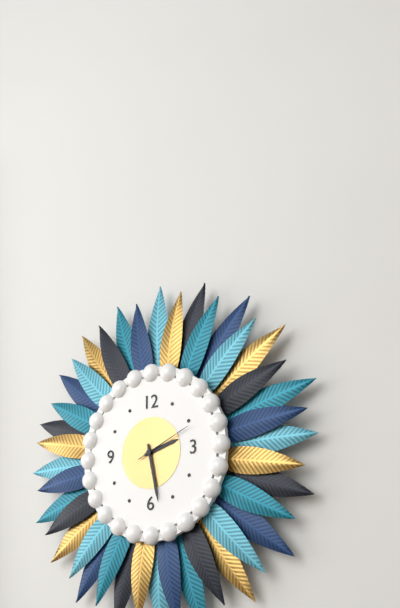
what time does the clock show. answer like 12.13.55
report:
2.28.11
